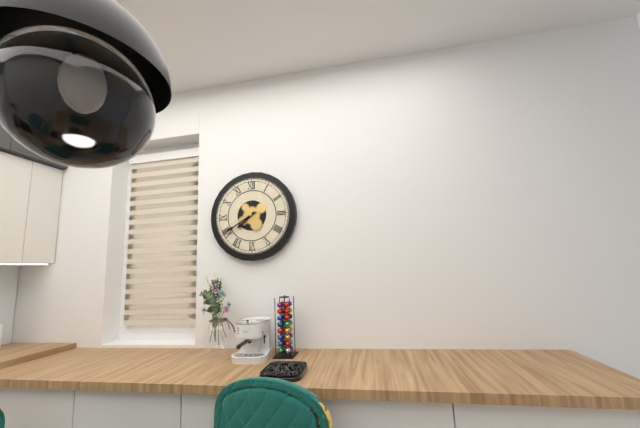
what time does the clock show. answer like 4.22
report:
7.40
